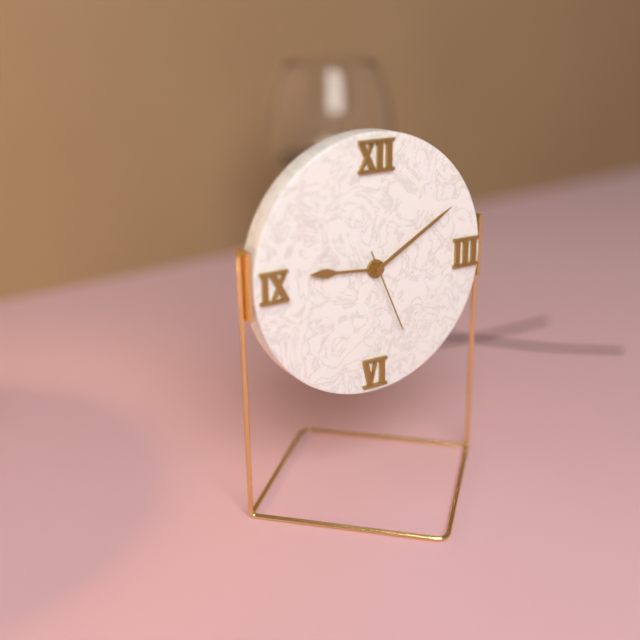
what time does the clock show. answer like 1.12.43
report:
9.10.26
